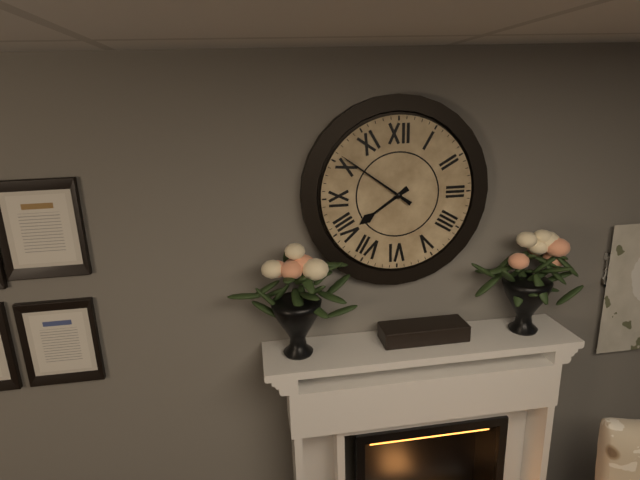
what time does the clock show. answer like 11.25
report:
7.51
